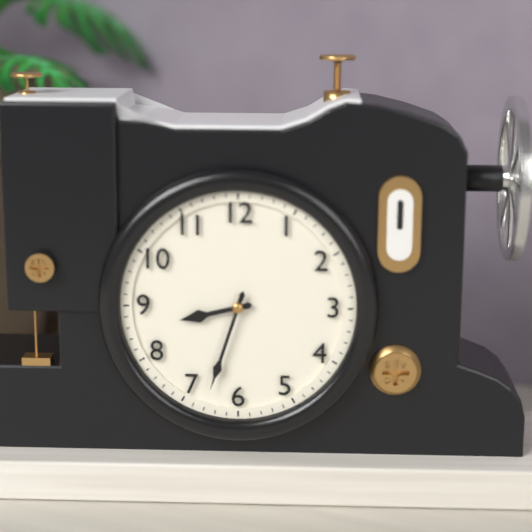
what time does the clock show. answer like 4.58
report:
8.33
